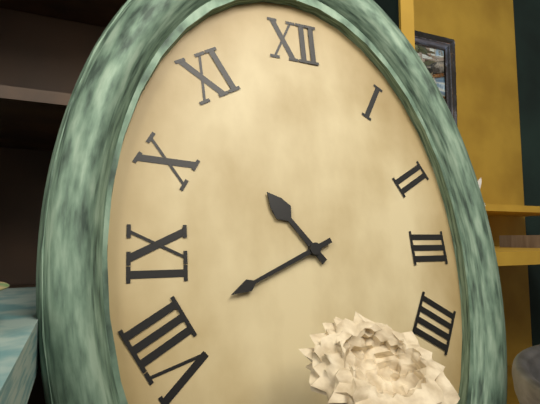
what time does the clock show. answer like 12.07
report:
10.41
